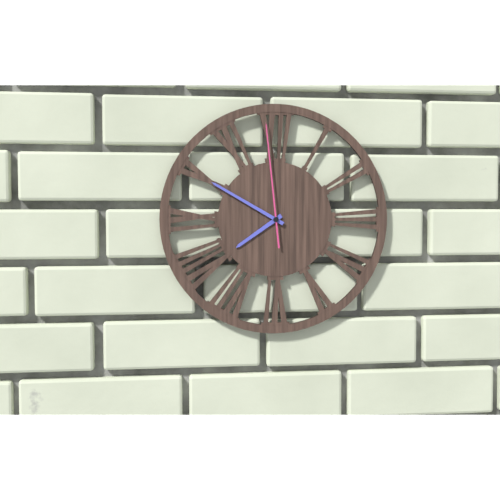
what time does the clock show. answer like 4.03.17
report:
7.50.59
